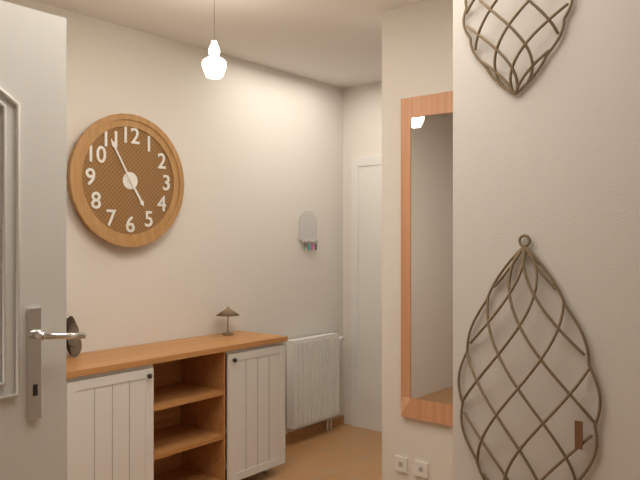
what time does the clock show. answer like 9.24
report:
4.55
